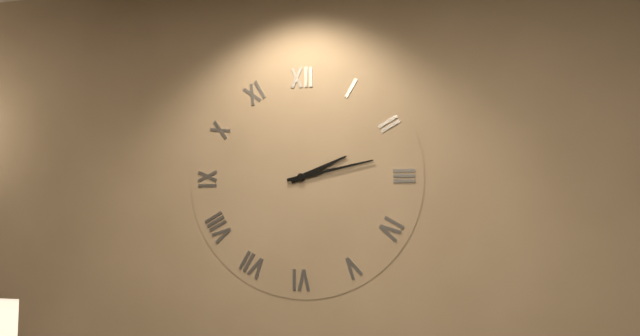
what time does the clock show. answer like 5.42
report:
2.13
